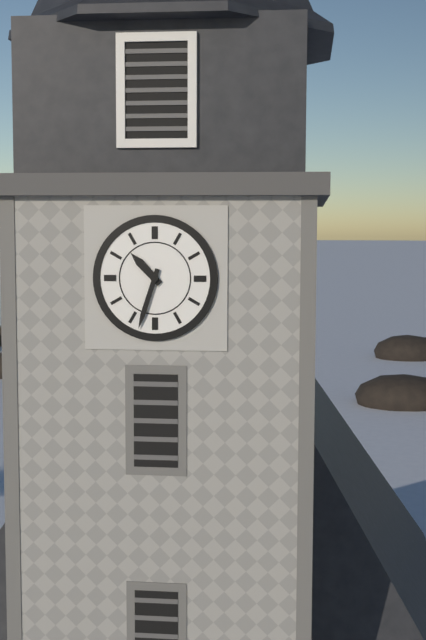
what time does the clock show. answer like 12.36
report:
10.33
